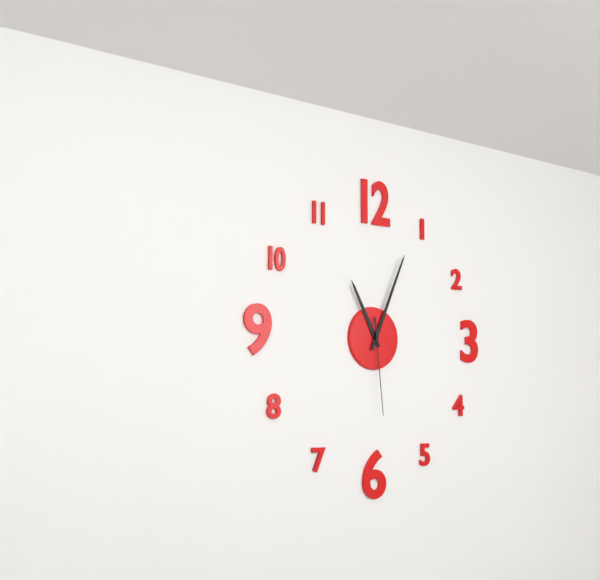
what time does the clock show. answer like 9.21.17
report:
11.04.29
